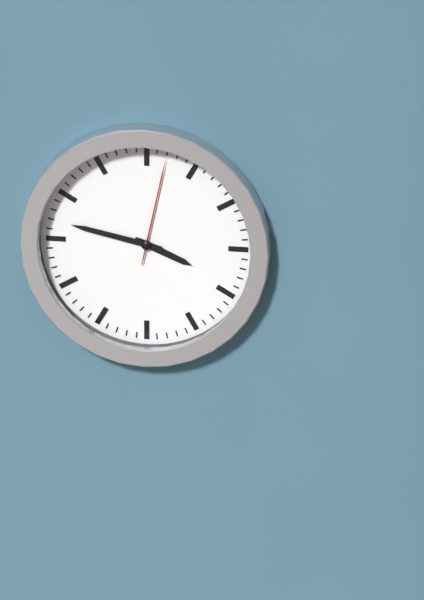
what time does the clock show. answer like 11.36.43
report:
3.47.02
